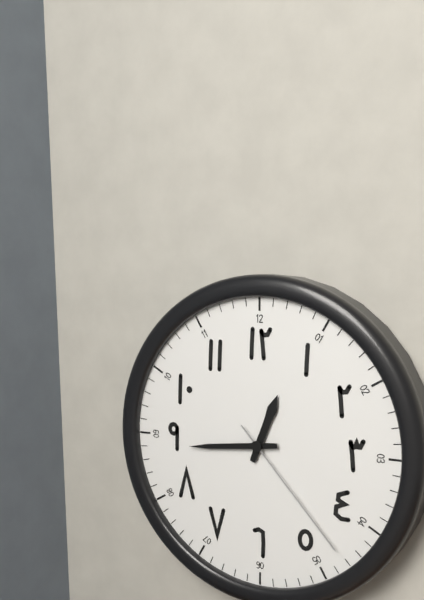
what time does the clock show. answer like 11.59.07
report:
12.44.23
